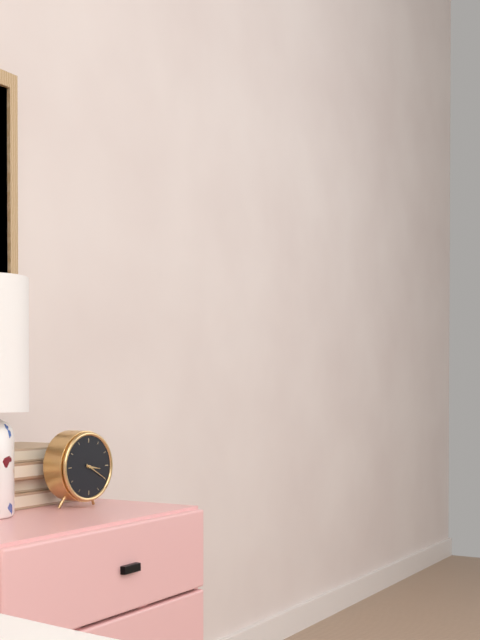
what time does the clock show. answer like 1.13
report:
3.20
